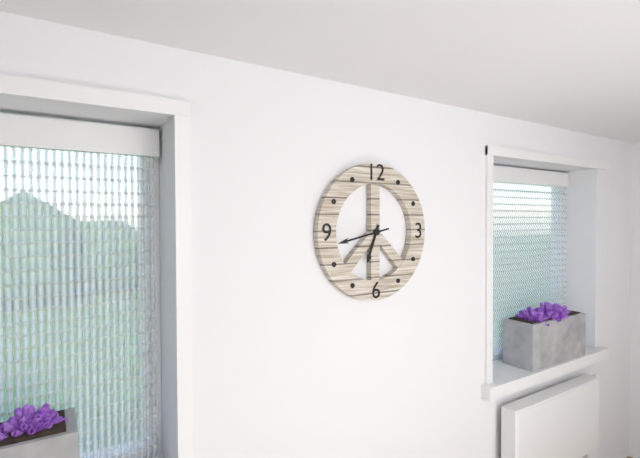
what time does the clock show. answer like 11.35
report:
6.43
